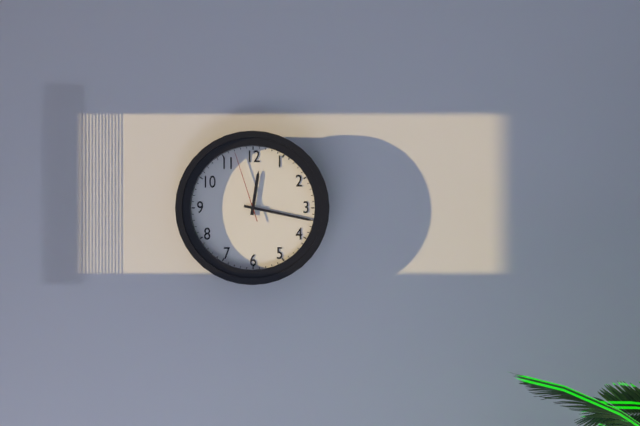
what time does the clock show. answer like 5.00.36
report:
12.17.57
